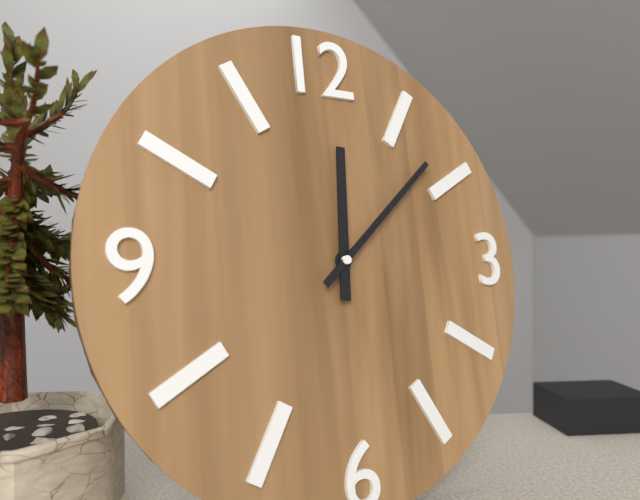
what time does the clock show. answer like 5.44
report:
12.08
